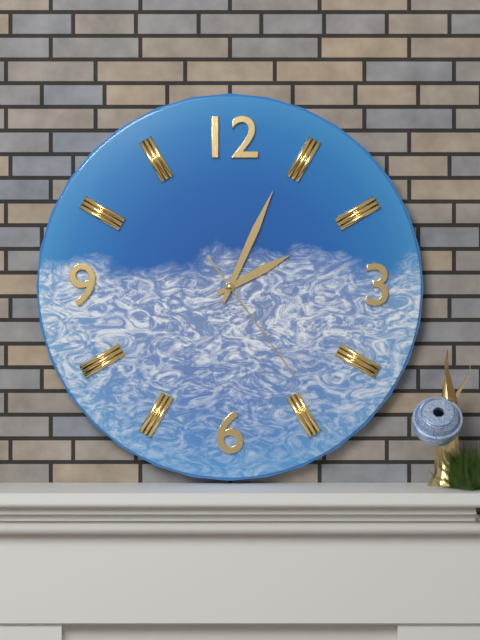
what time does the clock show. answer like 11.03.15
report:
2.04.24
